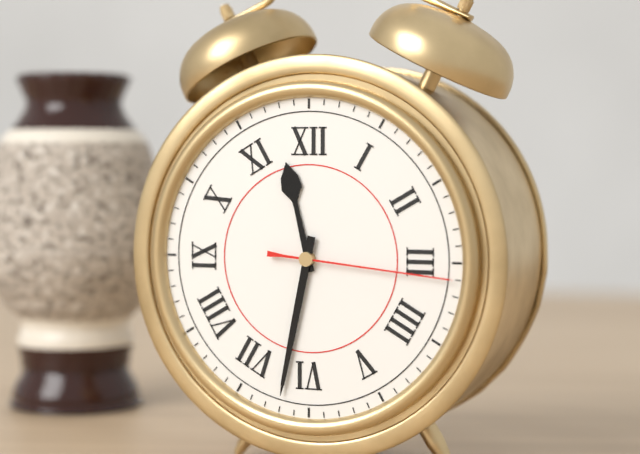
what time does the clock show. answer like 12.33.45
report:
11.32.16
